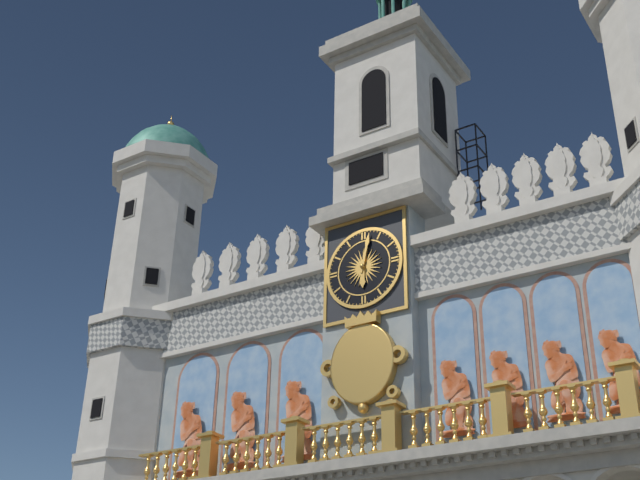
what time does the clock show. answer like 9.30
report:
6.02
